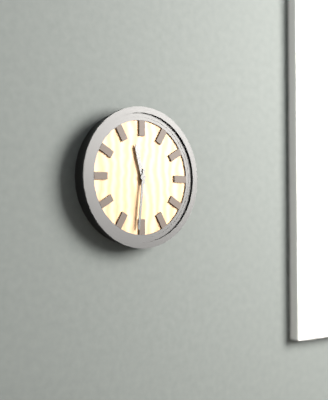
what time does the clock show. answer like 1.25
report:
11.31
